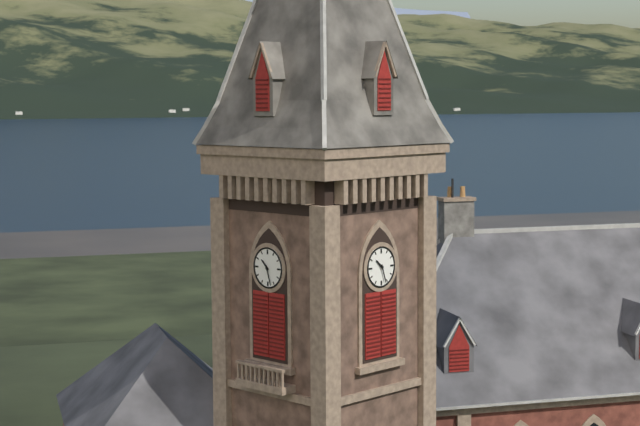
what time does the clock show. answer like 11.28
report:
10.27
